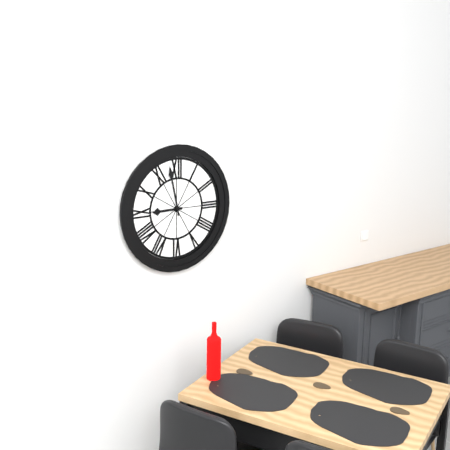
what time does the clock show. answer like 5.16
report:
8.58
